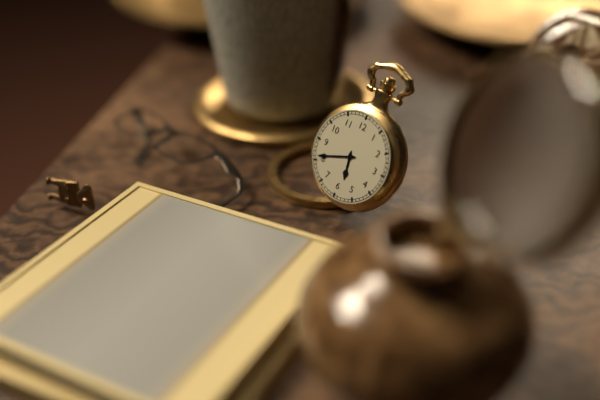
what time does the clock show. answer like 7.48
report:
5.41
